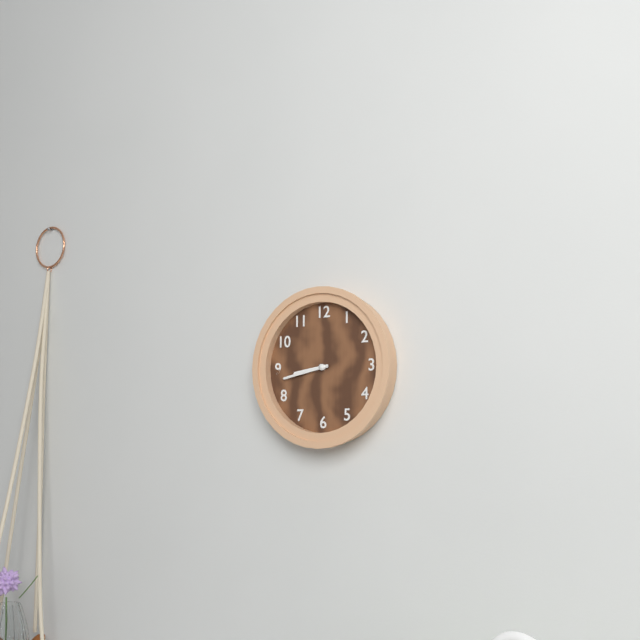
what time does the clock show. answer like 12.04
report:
8.43
